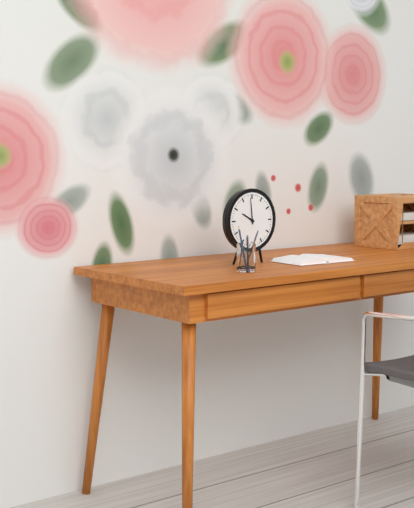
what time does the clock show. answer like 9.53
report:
9.59
